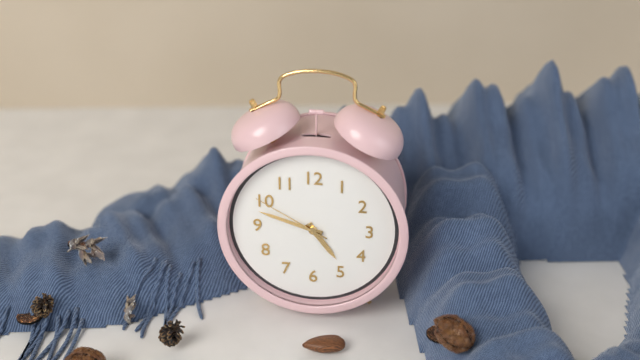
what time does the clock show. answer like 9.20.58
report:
4.48.50
